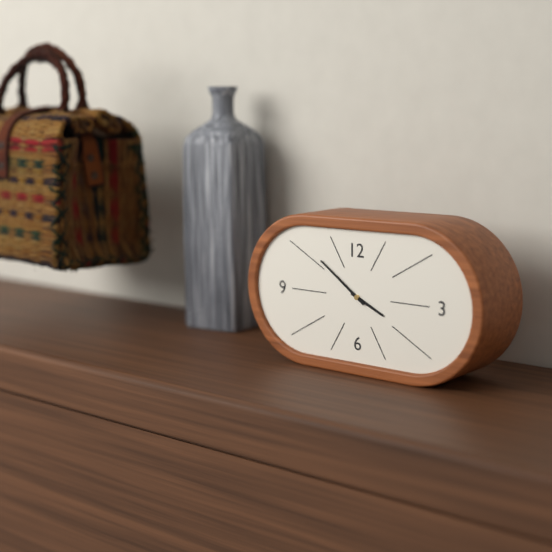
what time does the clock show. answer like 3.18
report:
3.51
